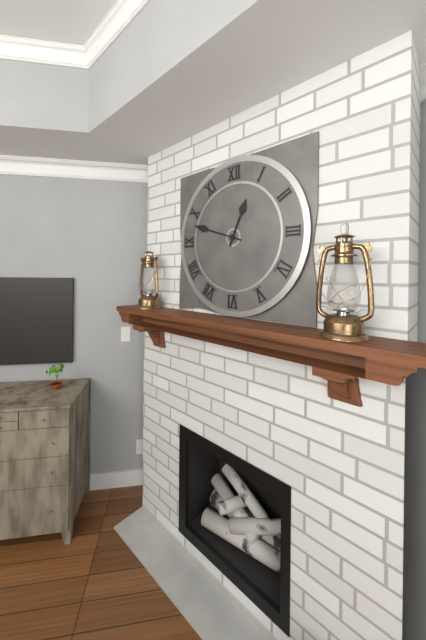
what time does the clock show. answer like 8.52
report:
12.48
